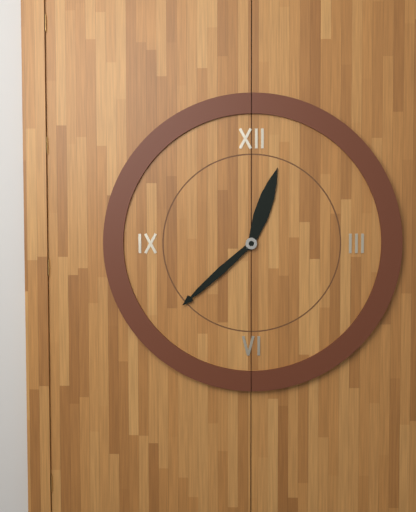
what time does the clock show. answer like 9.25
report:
12.38
